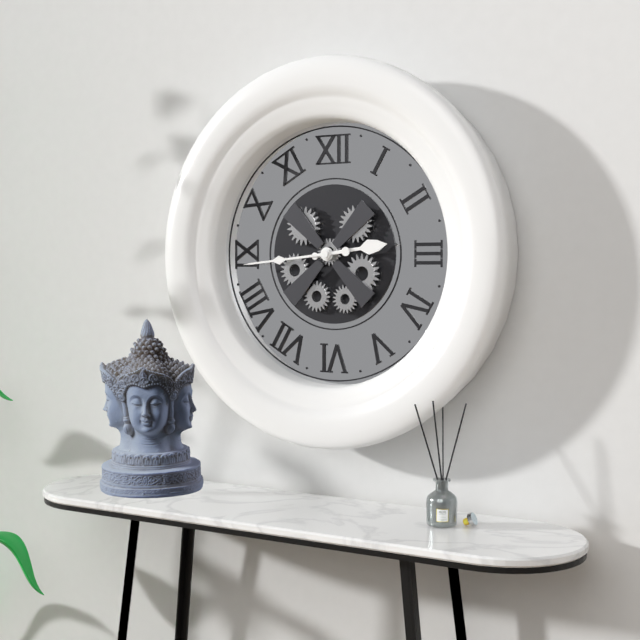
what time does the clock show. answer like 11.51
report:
2.44
